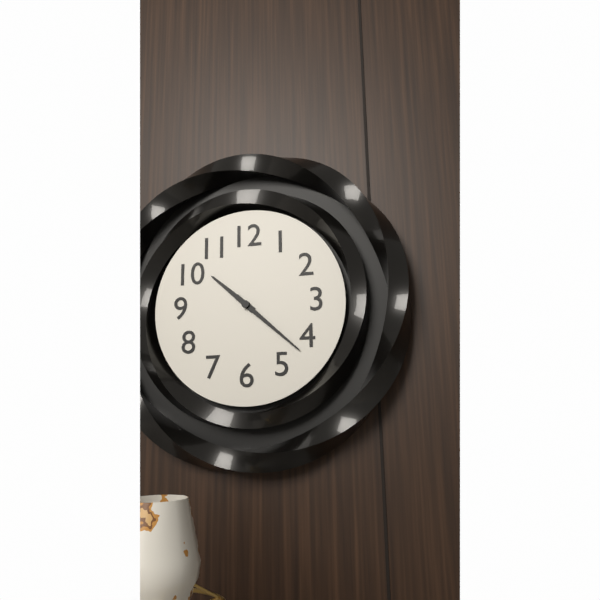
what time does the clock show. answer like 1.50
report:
10.22
